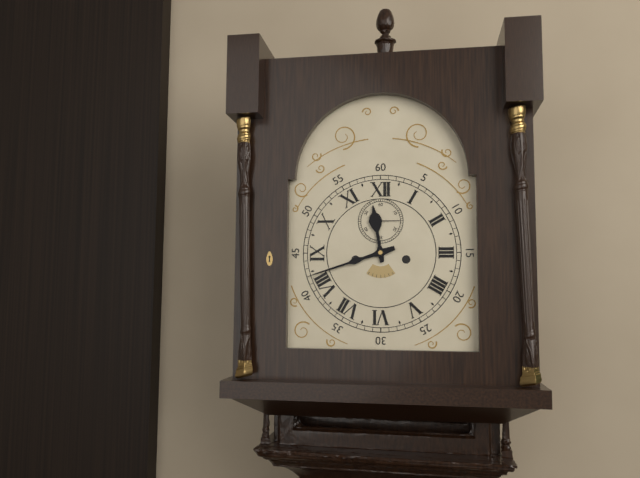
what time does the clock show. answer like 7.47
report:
11.42
